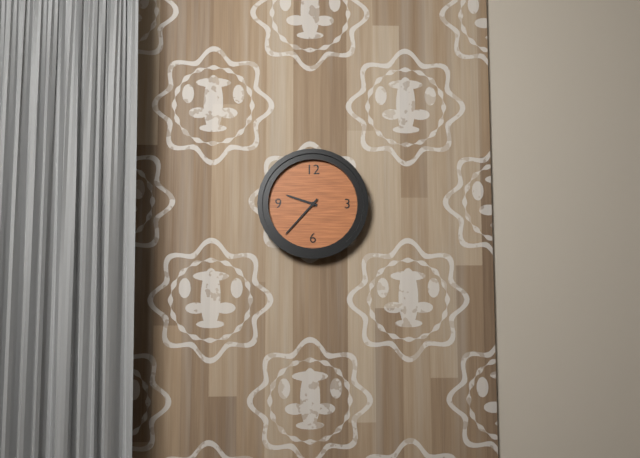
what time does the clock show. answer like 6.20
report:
9.37
